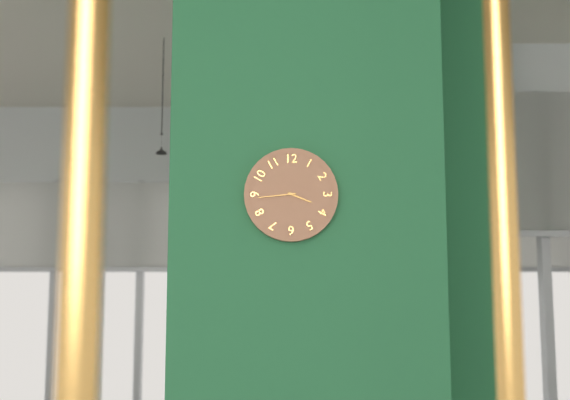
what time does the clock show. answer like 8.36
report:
3.44
